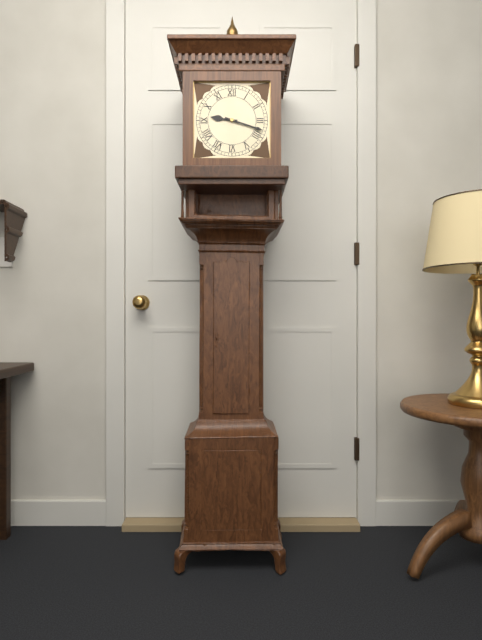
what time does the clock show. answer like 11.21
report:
9.18
